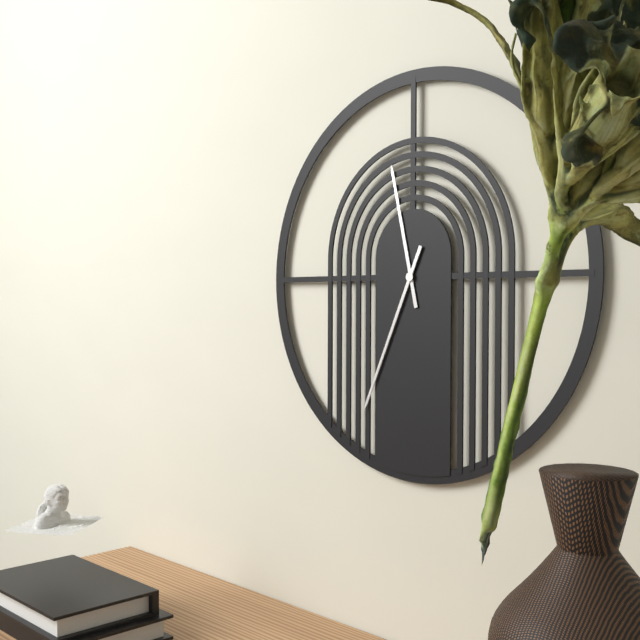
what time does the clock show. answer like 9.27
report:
11.34
